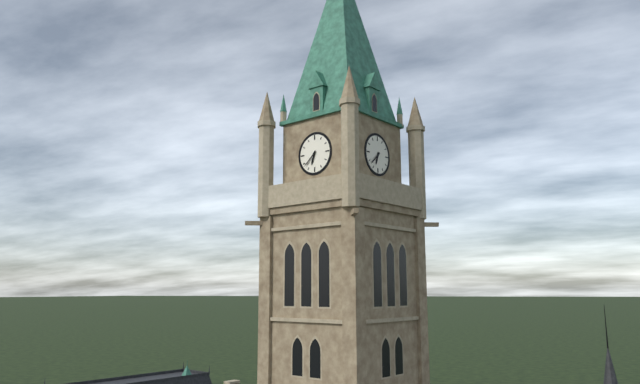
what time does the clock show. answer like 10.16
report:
6.38
